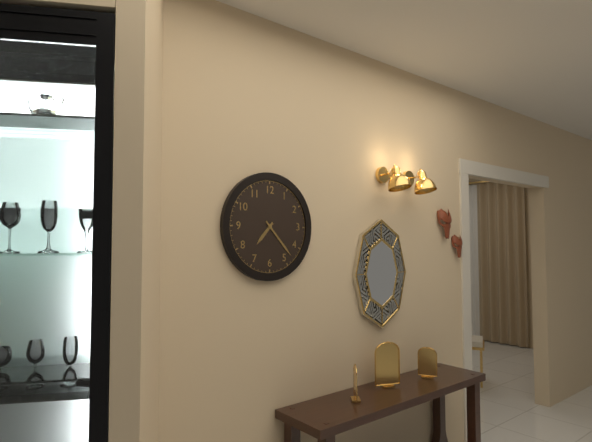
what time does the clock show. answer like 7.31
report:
7.23
